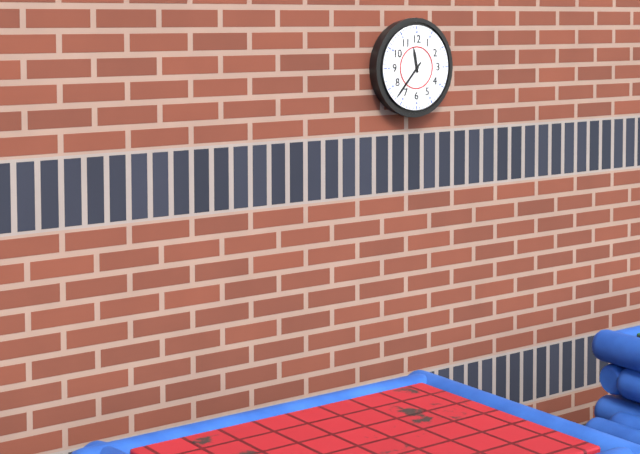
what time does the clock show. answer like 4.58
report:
11.37
